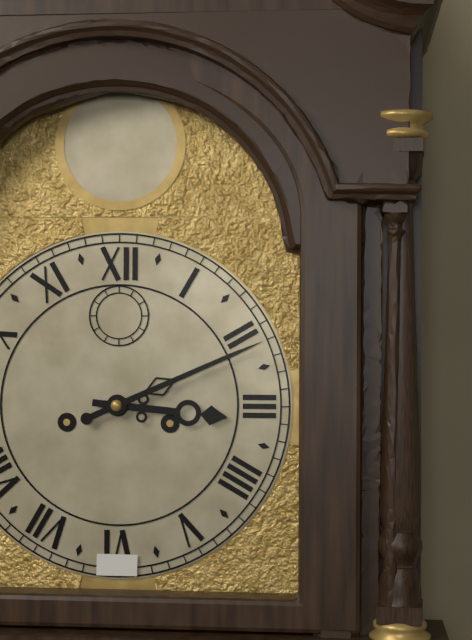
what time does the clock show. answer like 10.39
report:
3.11
